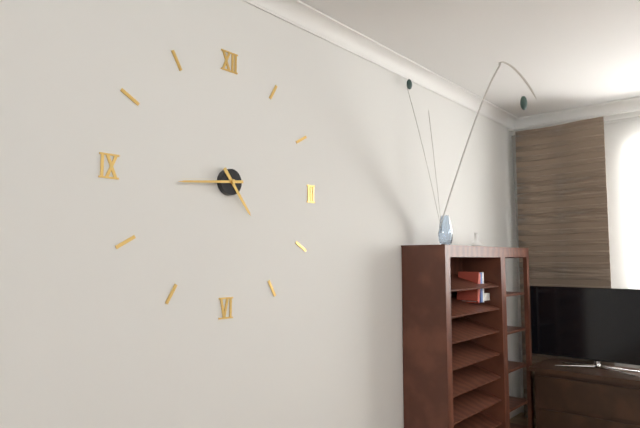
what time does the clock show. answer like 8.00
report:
4.44
